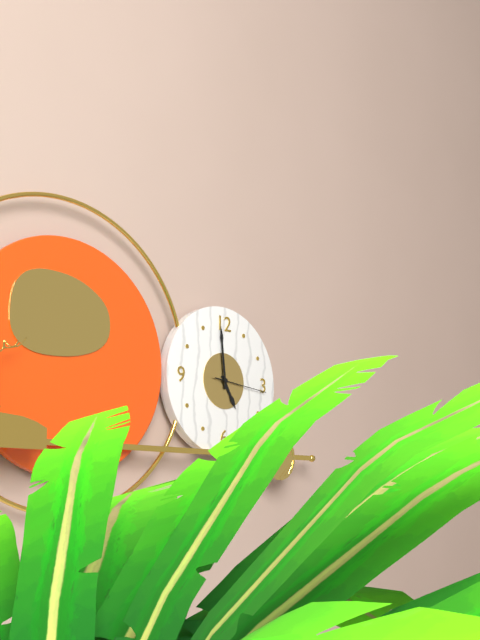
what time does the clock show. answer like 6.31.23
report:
4.59.16
